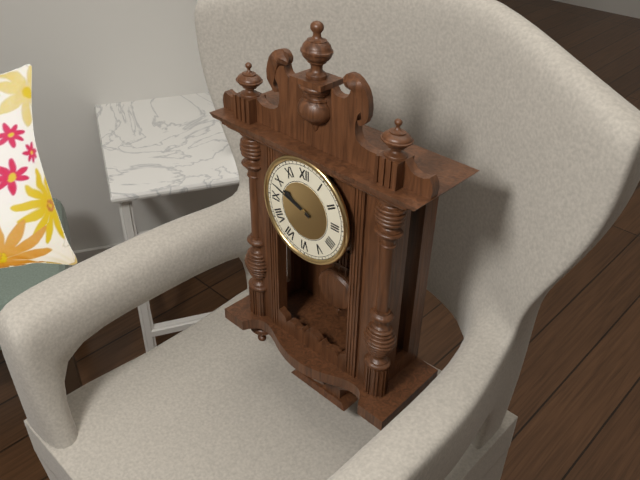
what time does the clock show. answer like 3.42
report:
9.48
